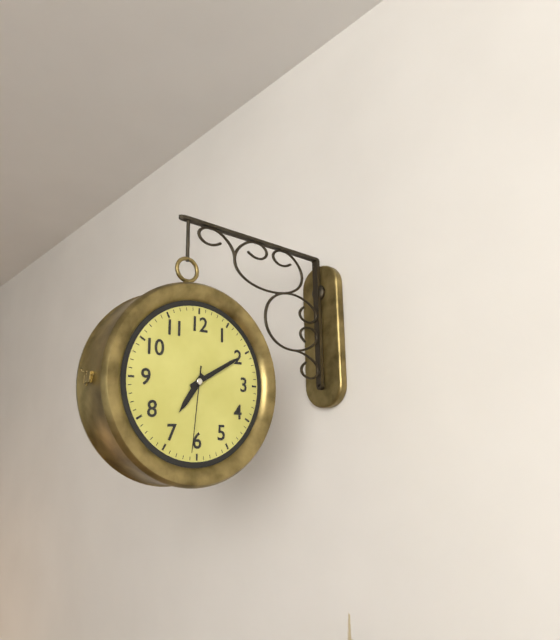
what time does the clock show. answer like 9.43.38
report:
7.10.31
